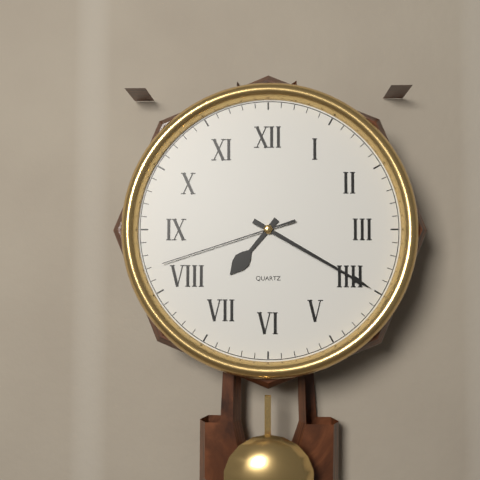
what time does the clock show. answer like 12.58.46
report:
7.20.42
